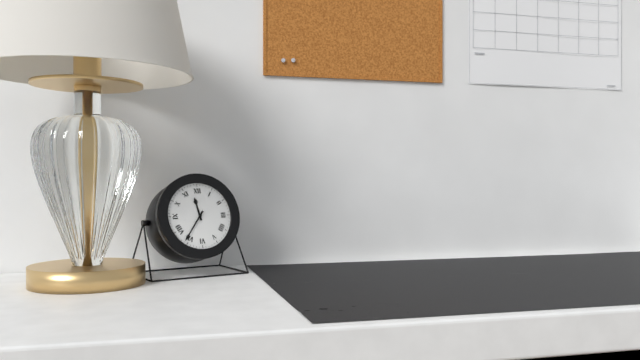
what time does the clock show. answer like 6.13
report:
11.36
